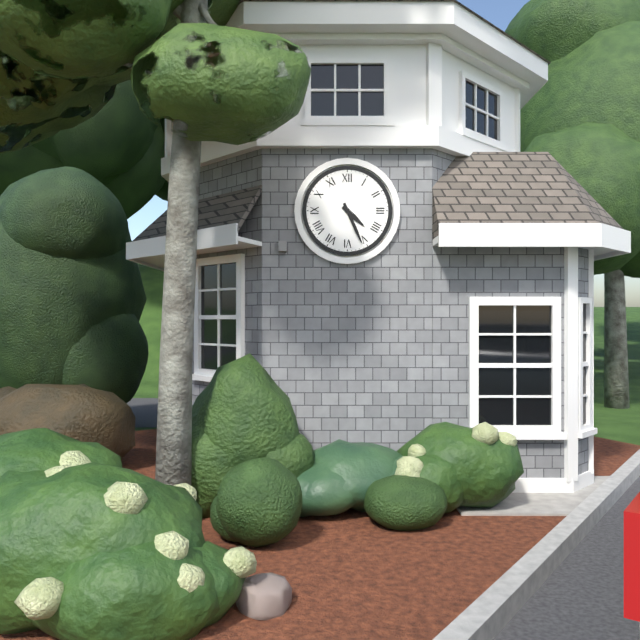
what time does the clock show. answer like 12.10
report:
4.26
